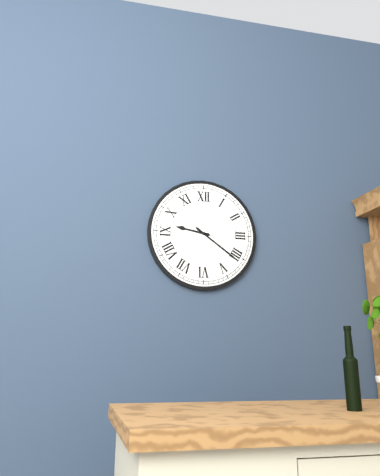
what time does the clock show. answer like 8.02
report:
9.21
